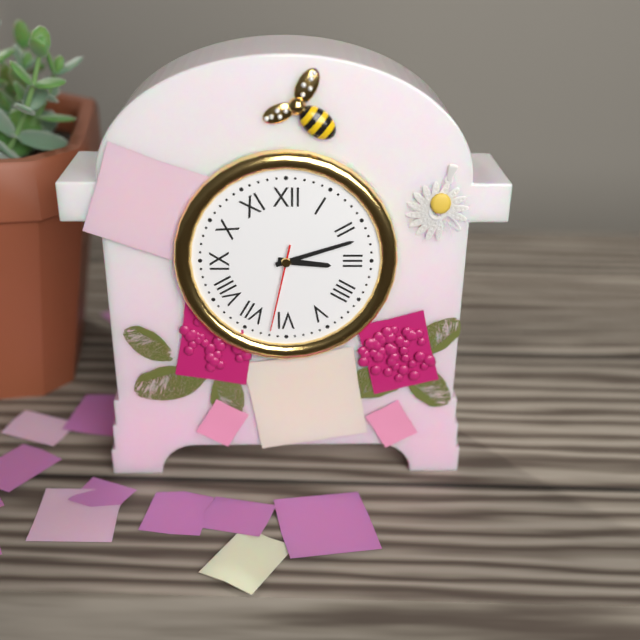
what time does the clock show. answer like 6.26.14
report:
3.12.32
